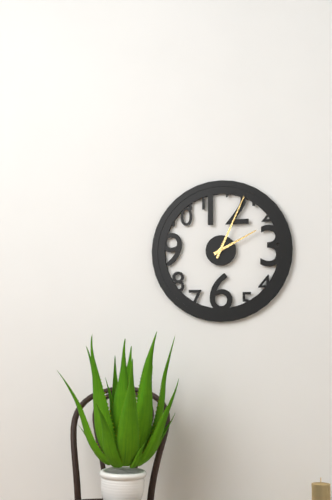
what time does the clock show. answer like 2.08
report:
2.04
